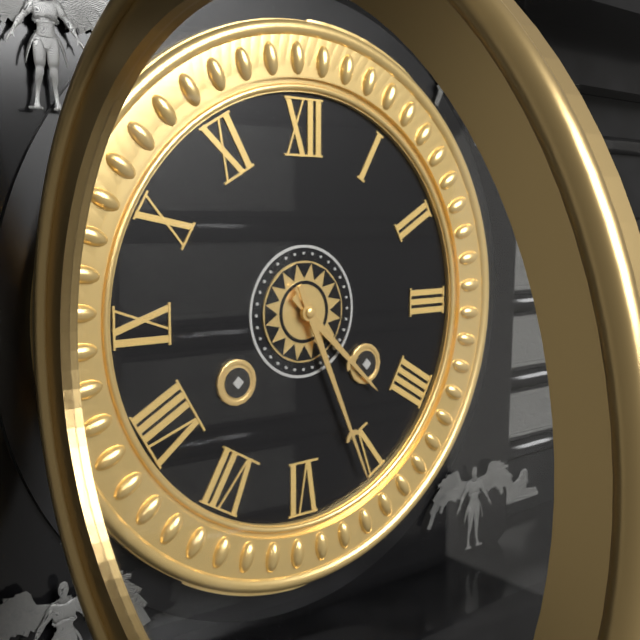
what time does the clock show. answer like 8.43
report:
4.26
